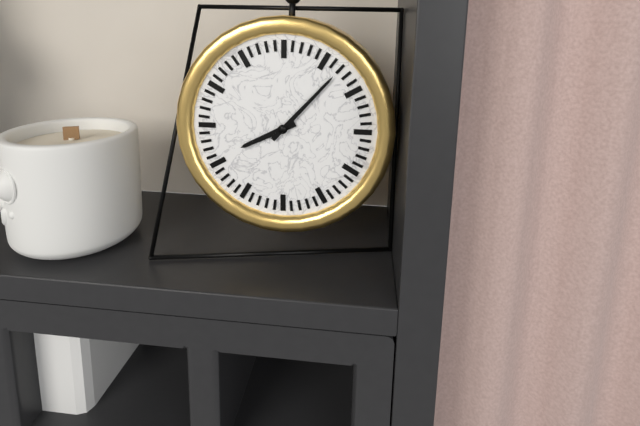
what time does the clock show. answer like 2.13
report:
8.07
